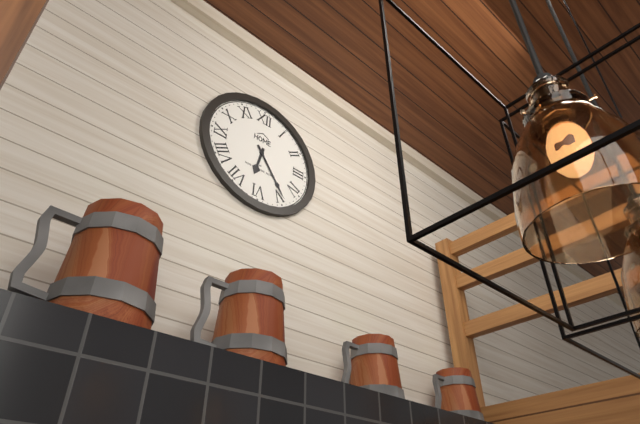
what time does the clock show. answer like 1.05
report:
6.24
